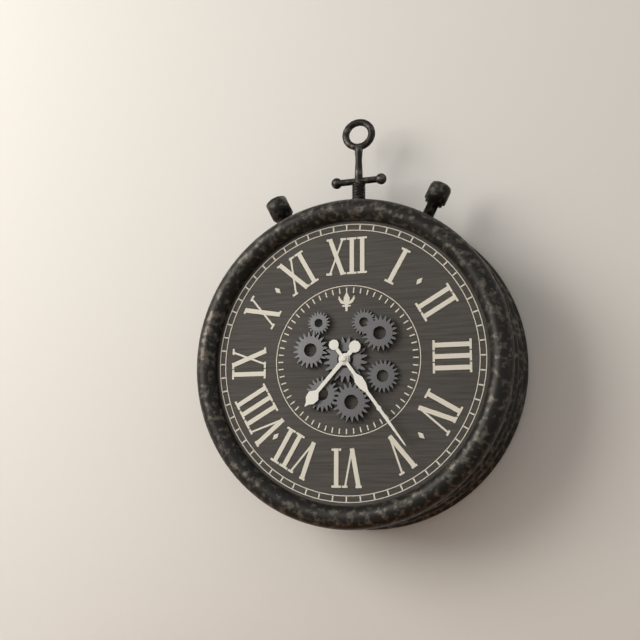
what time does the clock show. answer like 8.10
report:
7.24
